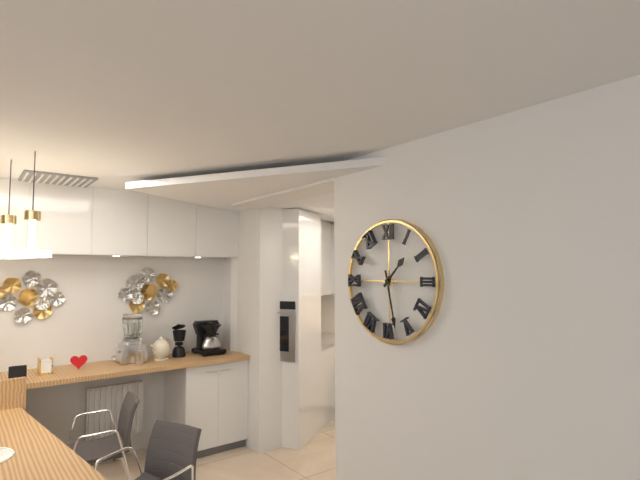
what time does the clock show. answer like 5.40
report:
1.28
